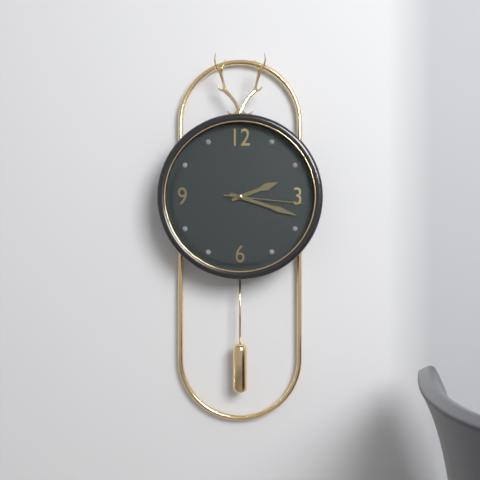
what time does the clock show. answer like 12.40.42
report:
2.18.16
